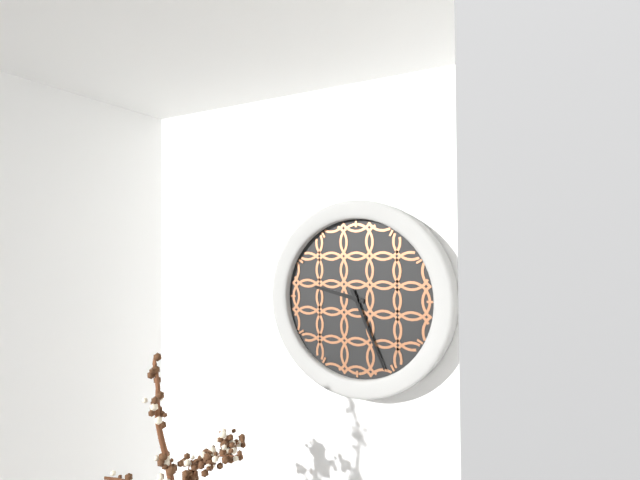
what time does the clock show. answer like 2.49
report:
9.26
